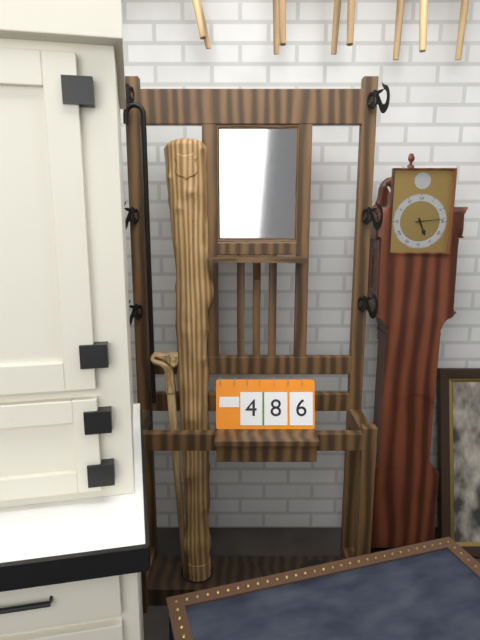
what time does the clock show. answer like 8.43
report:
5.14
